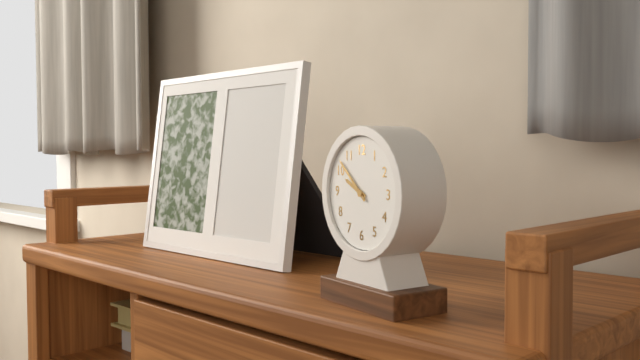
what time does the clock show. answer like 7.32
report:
9.52
